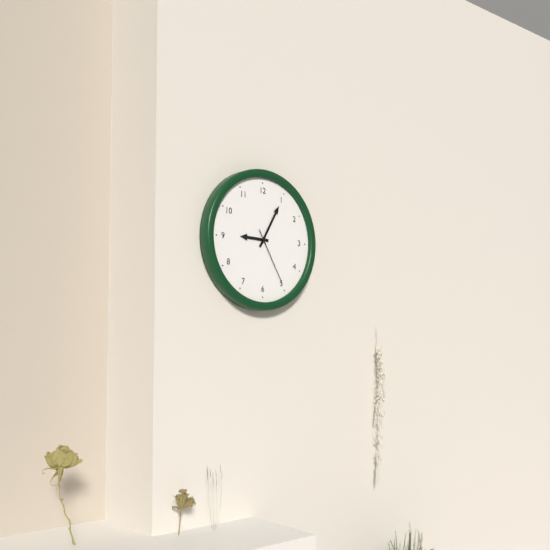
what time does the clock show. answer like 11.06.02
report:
9.05.25
